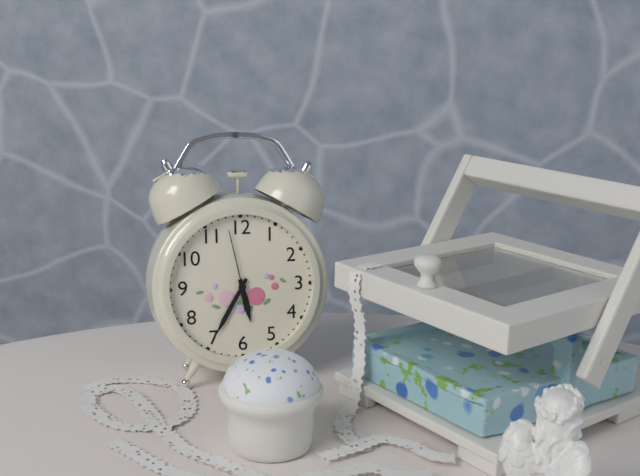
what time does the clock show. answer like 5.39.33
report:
5.35.58
